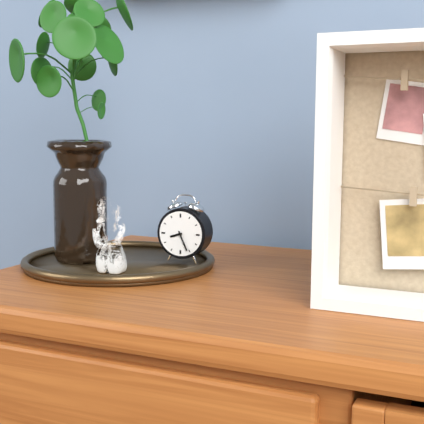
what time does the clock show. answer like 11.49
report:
8.26
